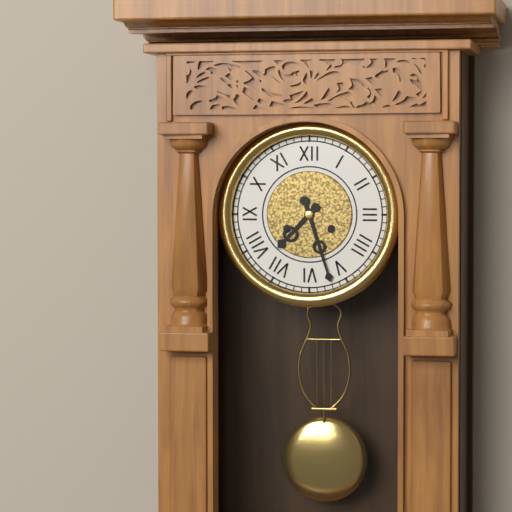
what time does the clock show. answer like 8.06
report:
7.27
